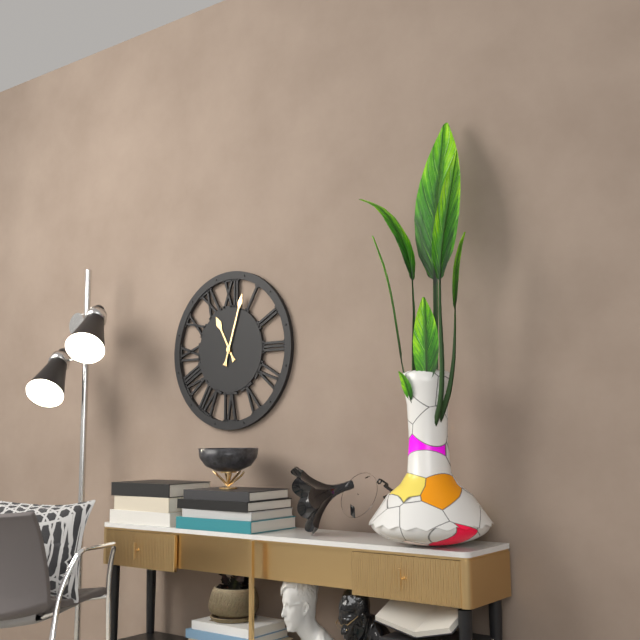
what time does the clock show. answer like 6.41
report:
11.03
